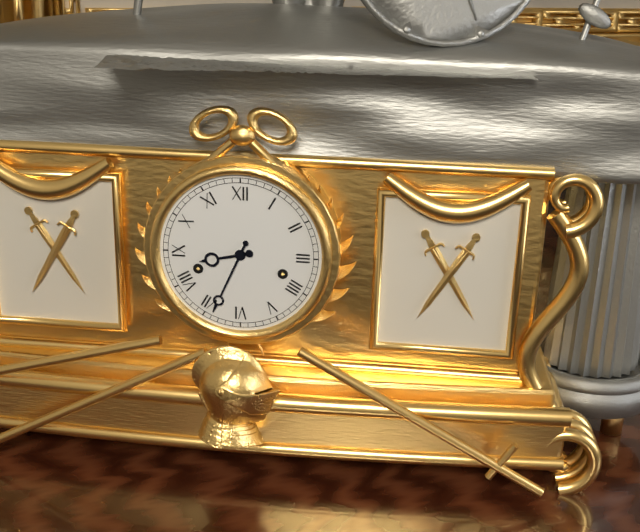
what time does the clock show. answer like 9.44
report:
8.34
